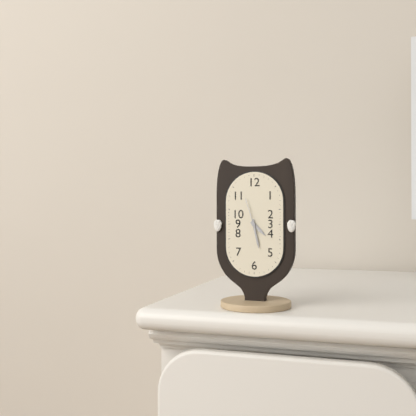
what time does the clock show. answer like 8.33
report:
4.28
